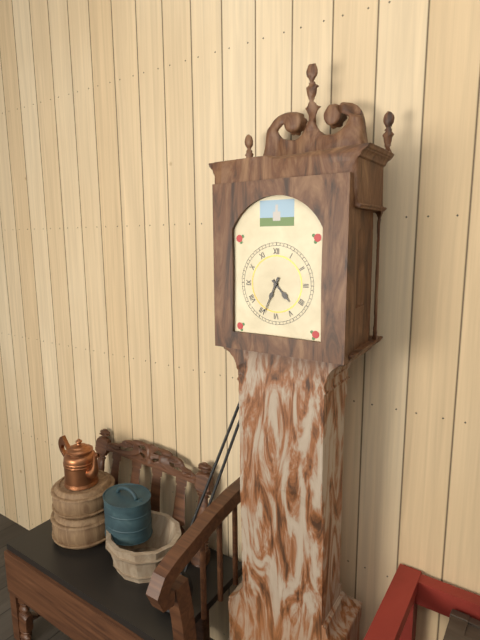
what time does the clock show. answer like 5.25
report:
4.34
